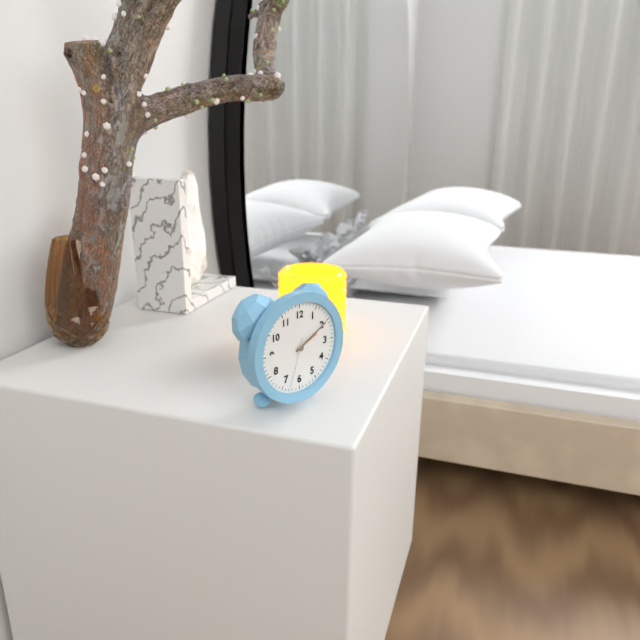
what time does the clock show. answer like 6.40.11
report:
2.10.33
